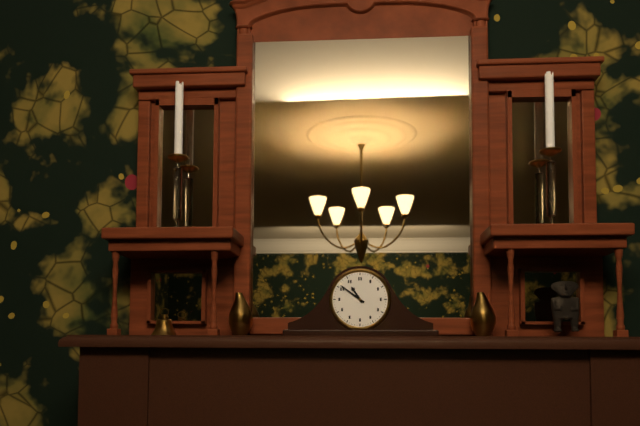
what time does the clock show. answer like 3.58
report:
10.51
